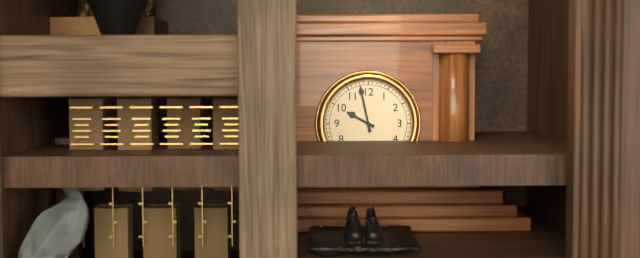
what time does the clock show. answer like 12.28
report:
9.58
